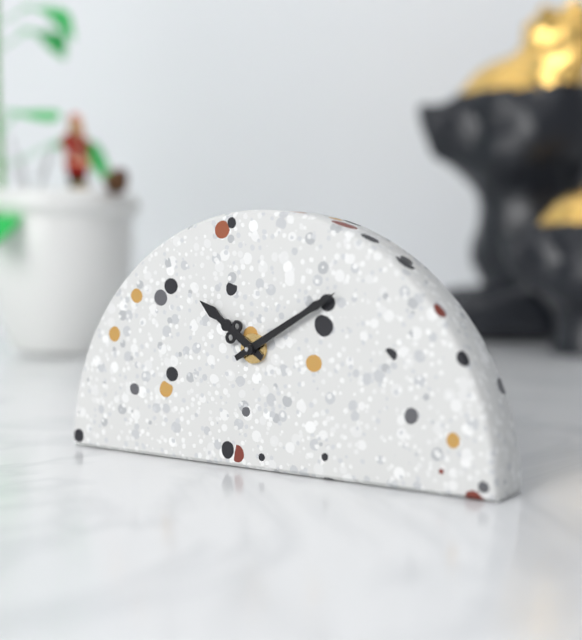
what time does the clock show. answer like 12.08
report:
10.10
